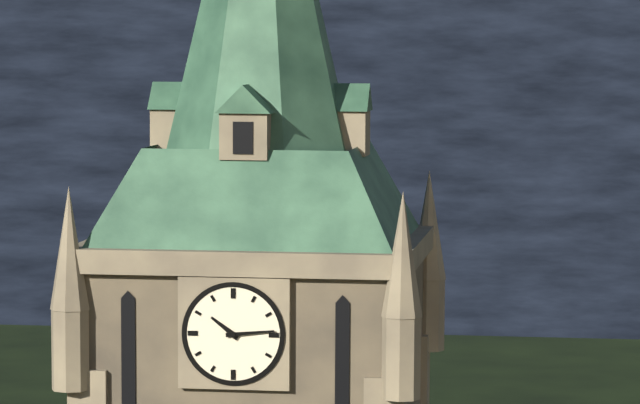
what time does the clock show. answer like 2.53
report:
10.14
